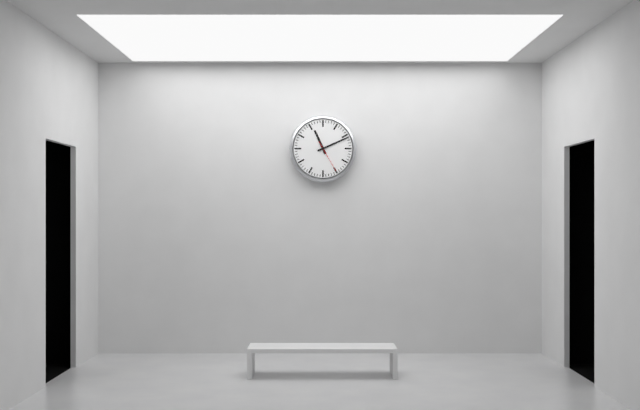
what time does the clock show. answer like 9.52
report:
11.11
